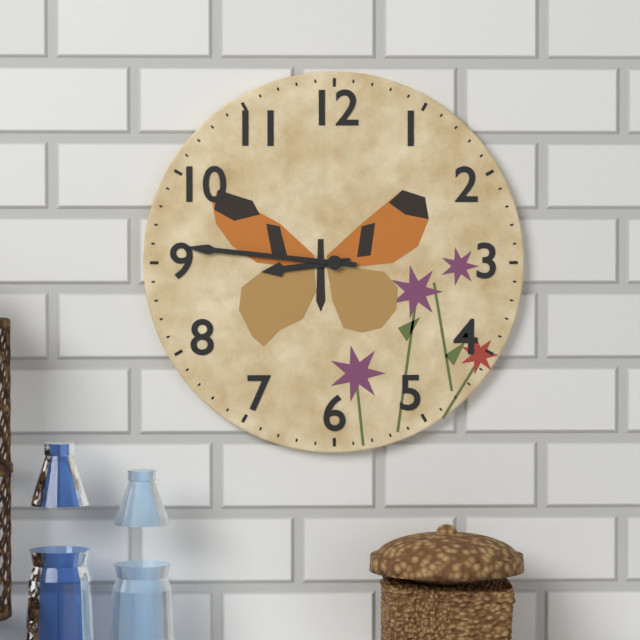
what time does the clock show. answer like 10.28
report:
8.46
